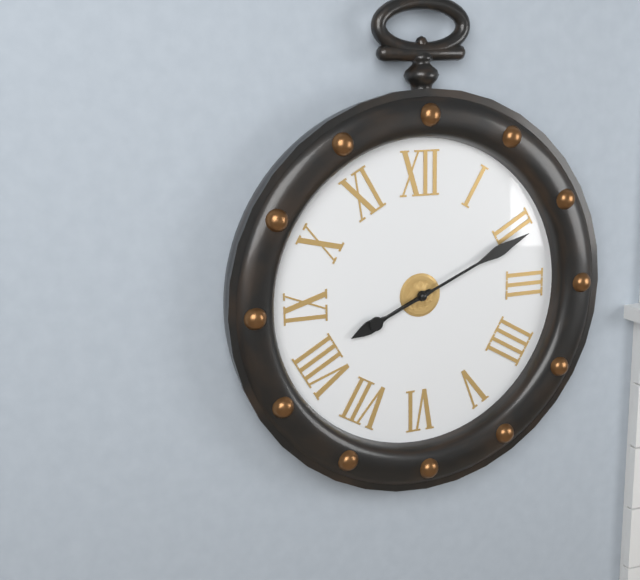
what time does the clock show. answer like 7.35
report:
8.11
